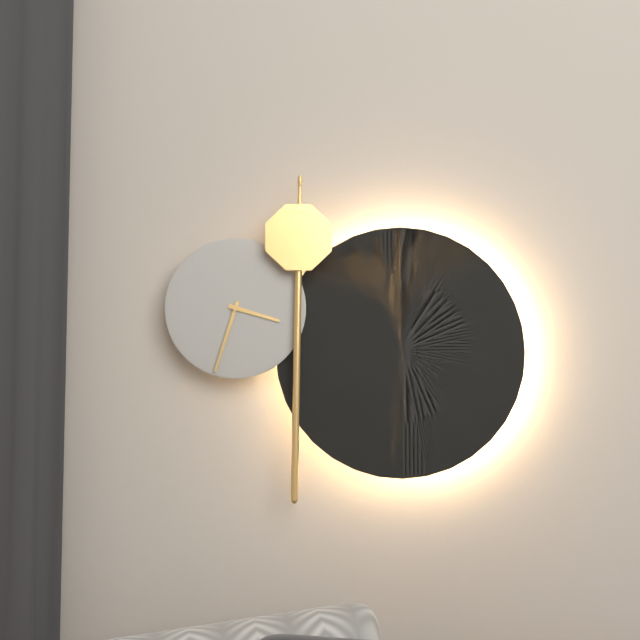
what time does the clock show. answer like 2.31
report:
3.33
